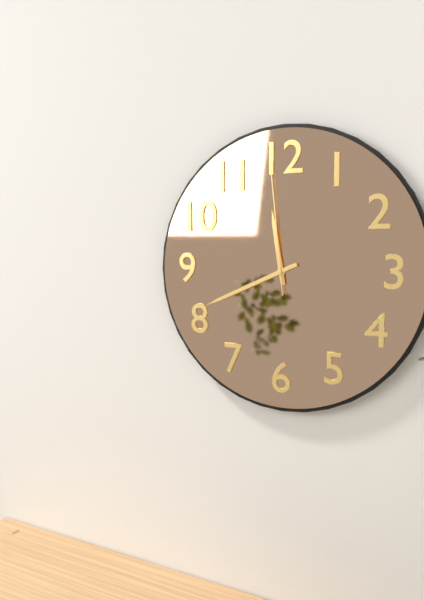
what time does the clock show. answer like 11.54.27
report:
11.41.59
